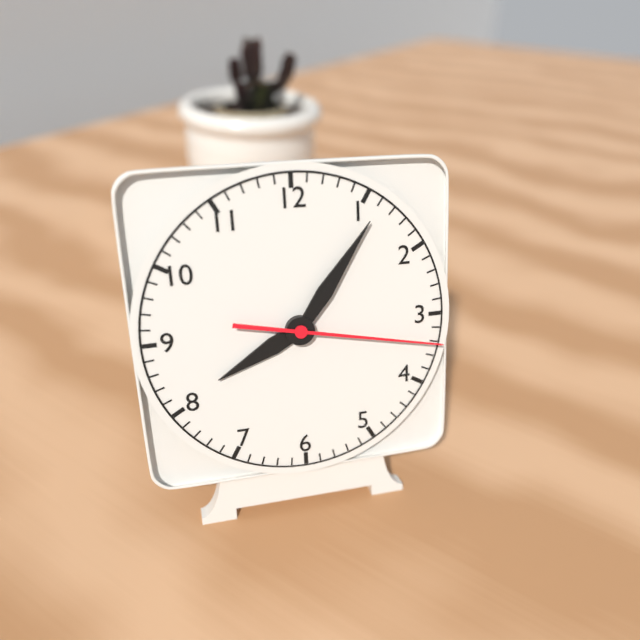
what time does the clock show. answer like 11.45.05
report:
8.06.17
